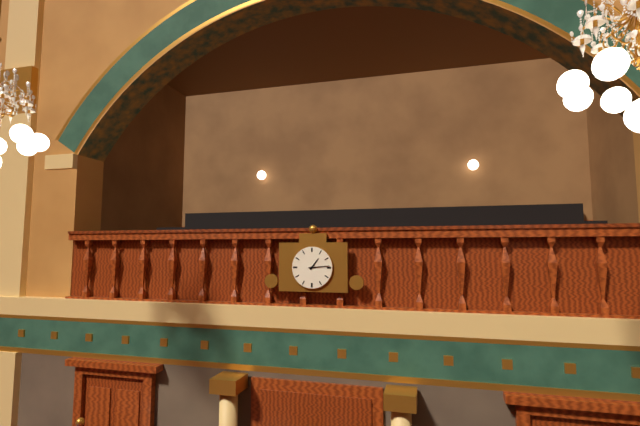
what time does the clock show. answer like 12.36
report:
1.14
